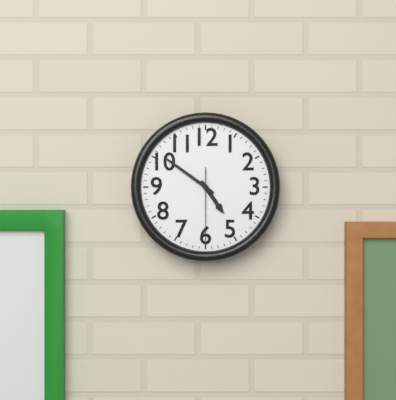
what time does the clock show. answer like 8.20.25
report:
4.51.30
